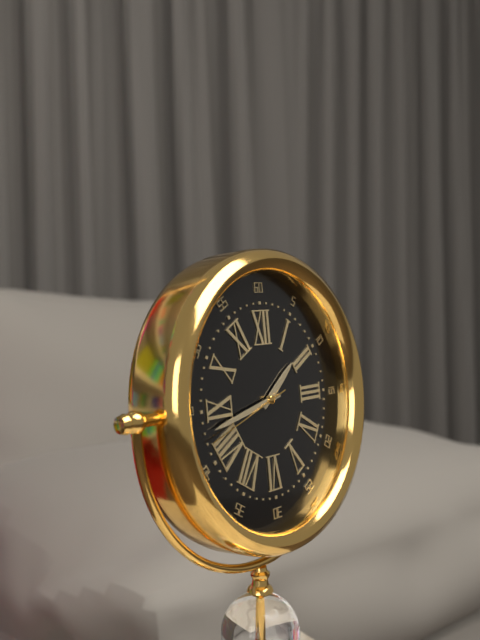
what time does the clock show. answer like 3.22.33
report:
1.43.42
